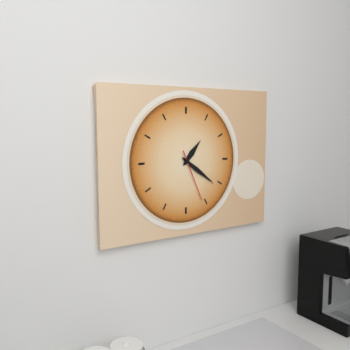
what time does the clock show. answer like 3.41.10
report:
1.21.26
